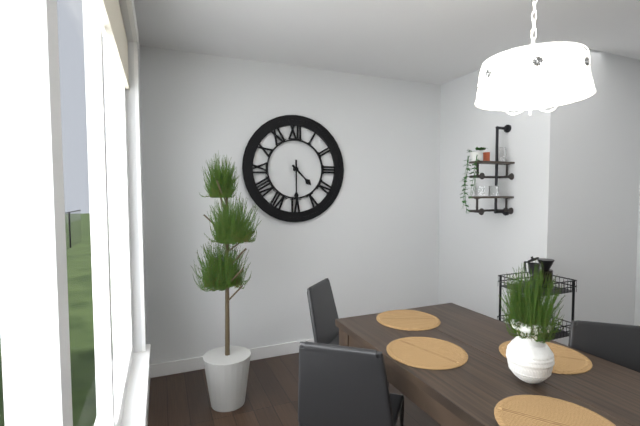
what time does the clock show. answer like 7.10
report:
4.30
